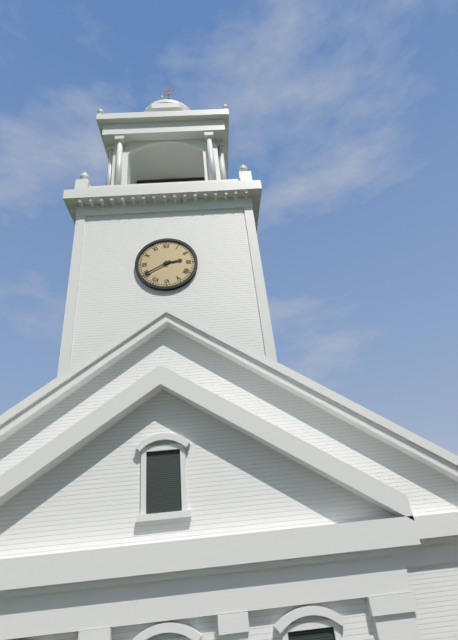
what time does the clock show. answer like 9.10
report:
2.40
